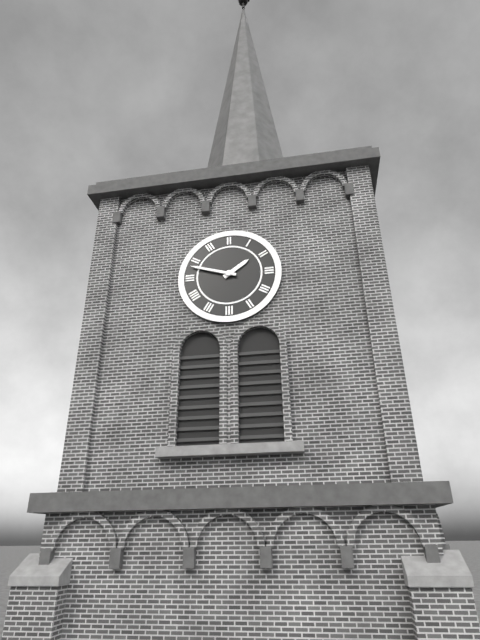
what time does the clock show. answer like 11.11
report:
1.48
